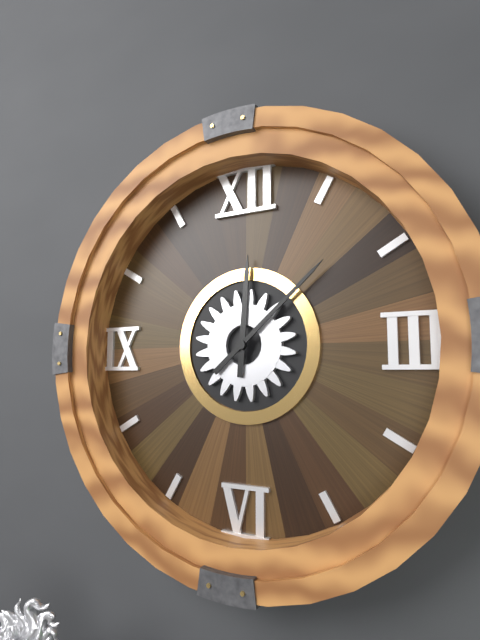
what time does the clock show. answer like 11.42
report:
12.08
